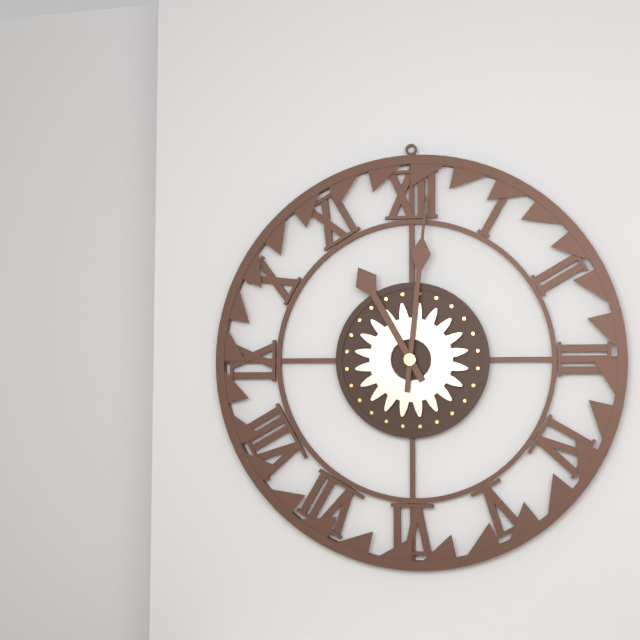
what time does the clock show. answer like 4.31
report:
11.01
